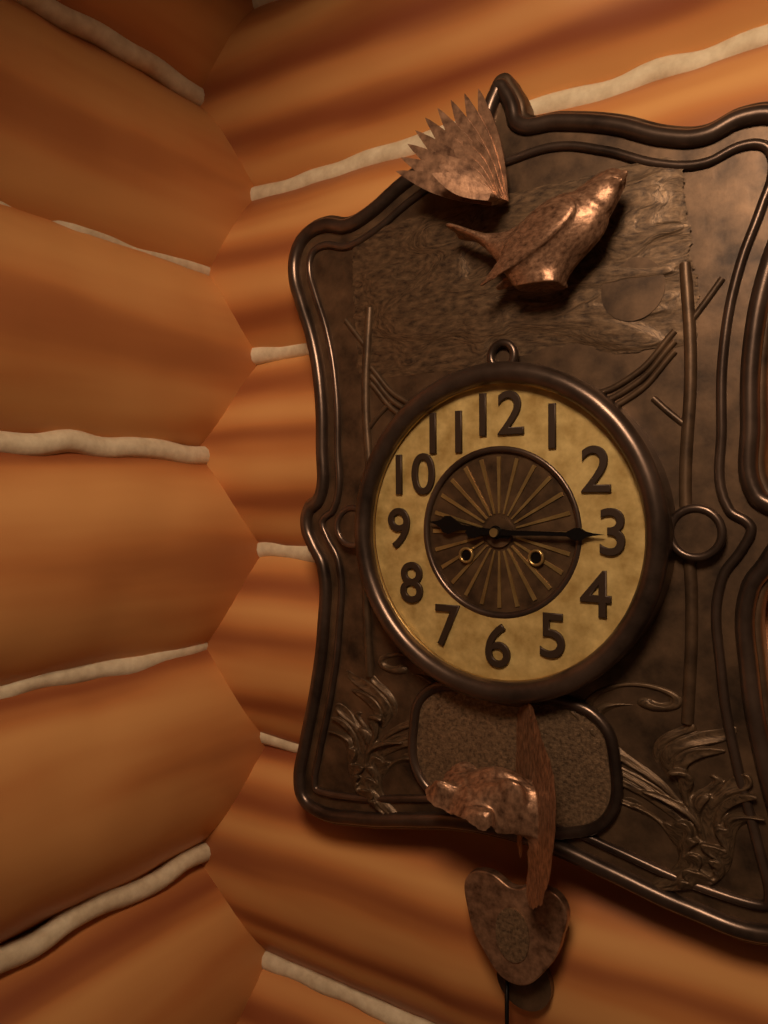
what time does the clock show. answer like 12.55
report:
9.15
